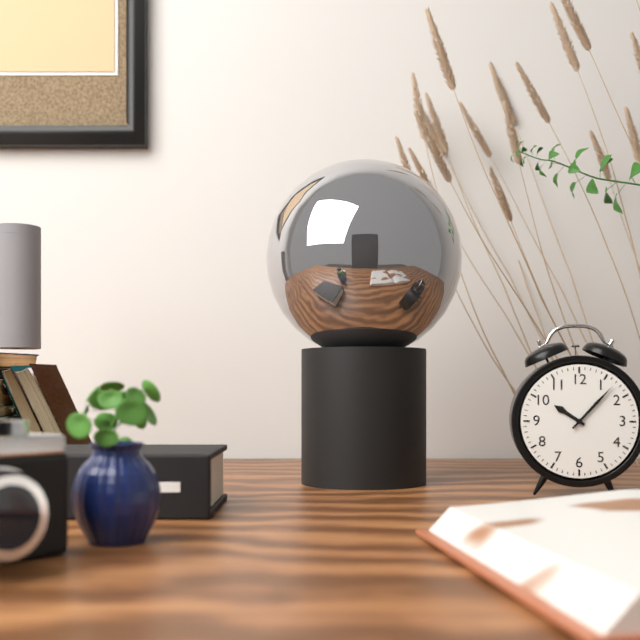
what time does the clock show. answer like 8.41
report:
10.07
